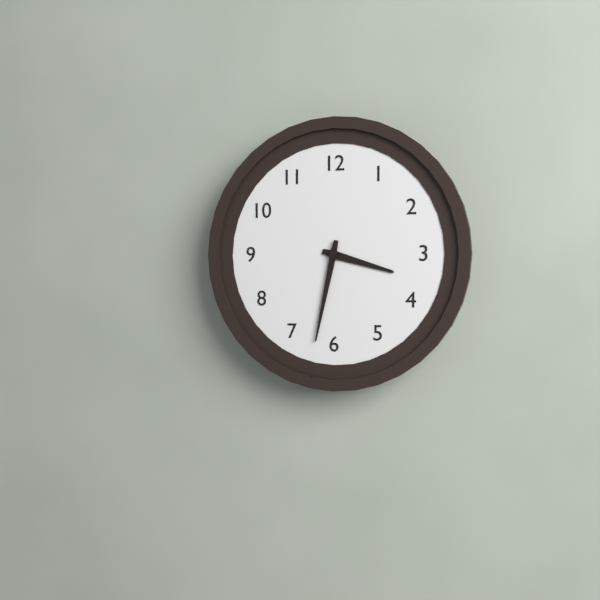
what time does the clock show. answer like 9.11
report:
3.32
